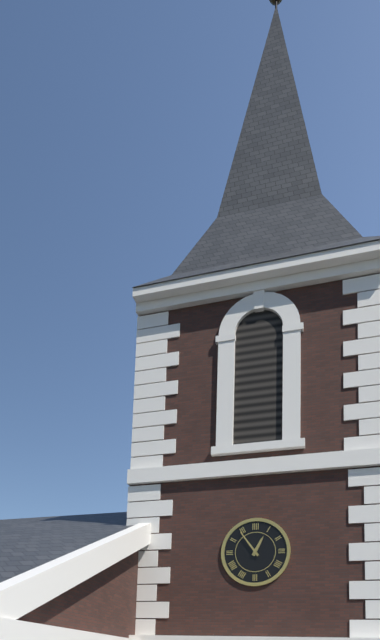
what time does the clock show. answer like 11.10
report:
12.54
